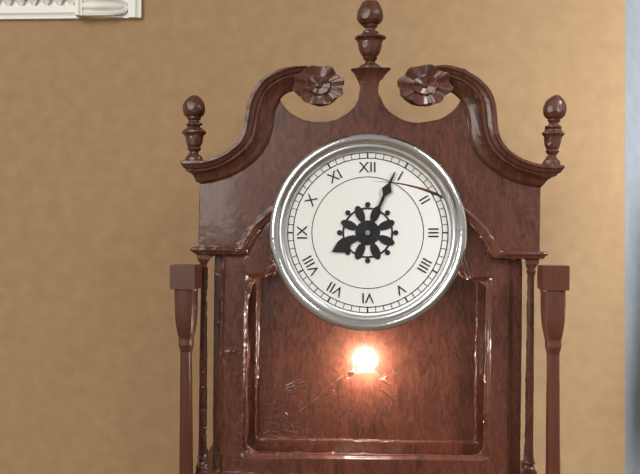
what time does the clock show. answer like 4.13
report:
8.04
